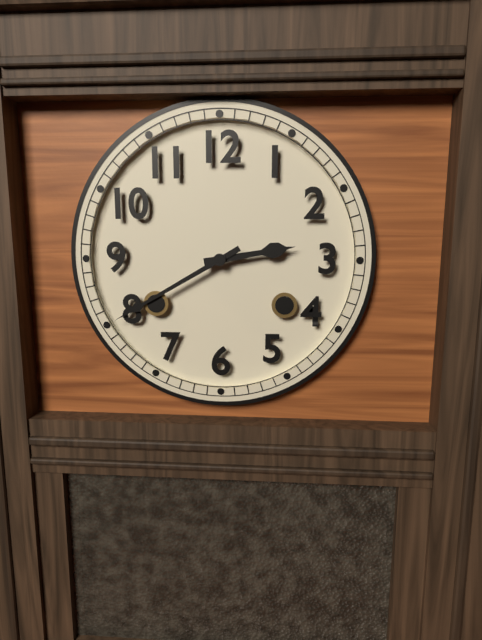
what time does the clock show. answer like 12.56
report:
2.40
